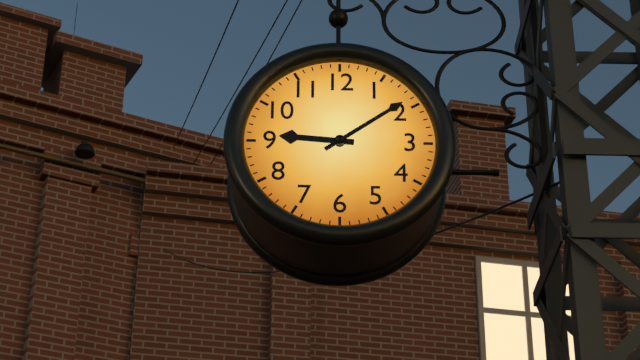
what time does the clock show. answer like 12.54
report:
9.09
